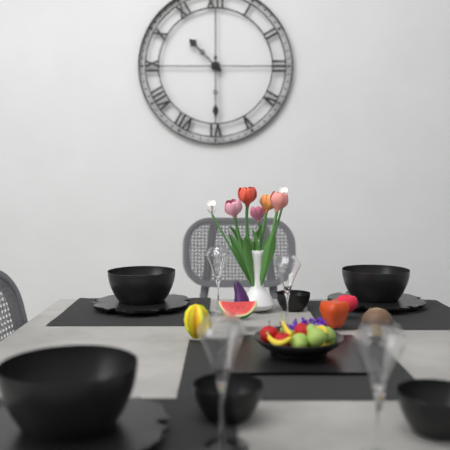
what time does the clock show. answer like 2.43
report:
10.30
